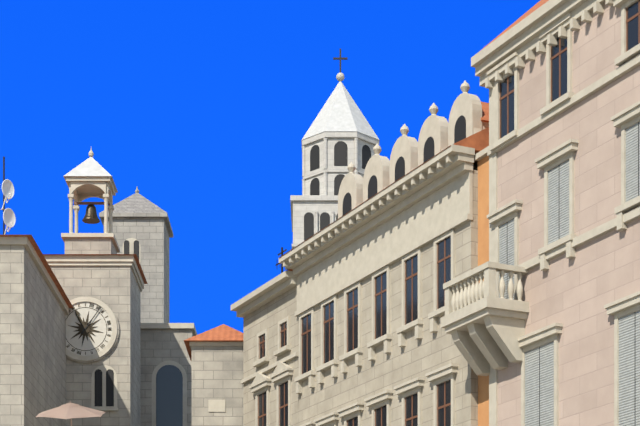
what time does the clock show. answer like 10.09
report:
11.06
